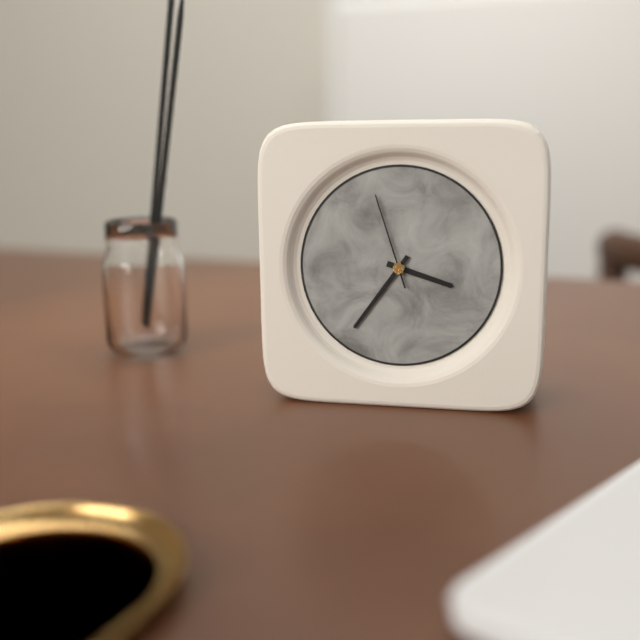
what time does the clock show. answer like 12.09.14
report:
3.36.57
